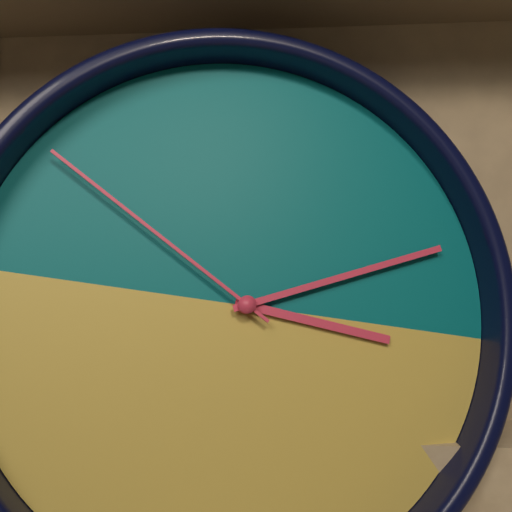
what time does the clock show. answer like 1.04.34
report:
3.11.50
